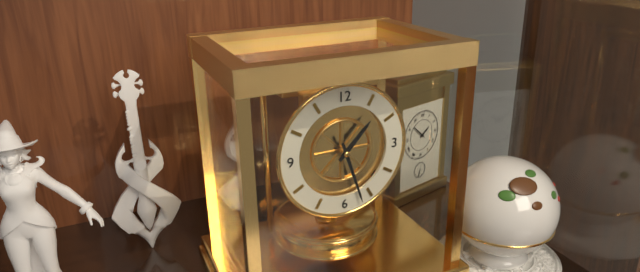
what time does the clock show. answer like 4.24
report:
1.27
